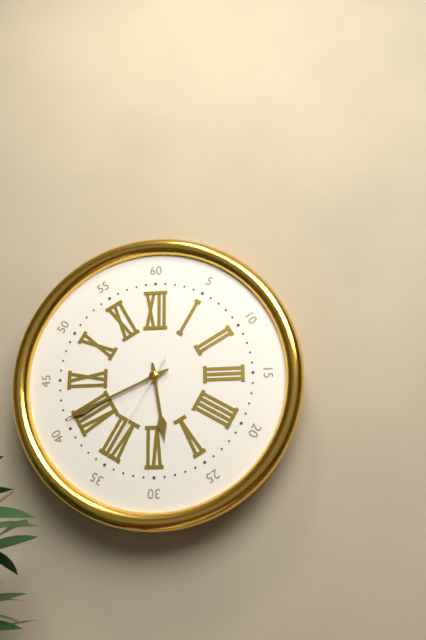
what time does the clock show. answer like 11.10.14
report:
5.41.35
